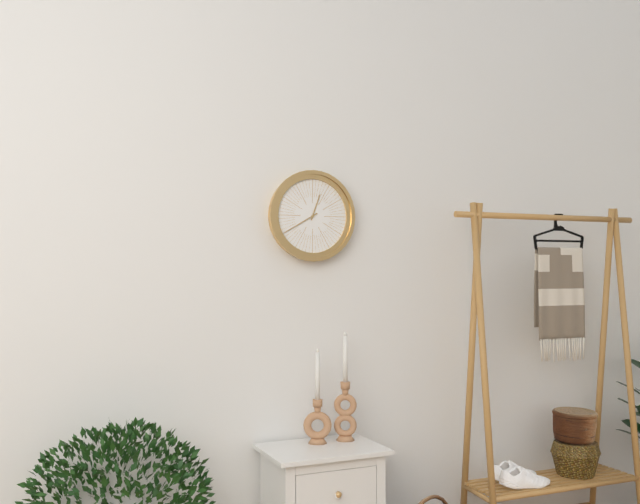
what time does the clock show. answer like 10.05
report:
12.40
